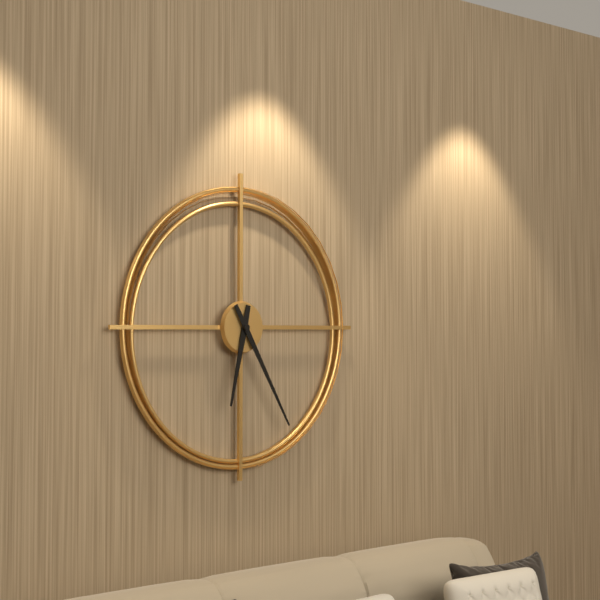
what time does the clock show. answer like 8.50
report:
6.25
